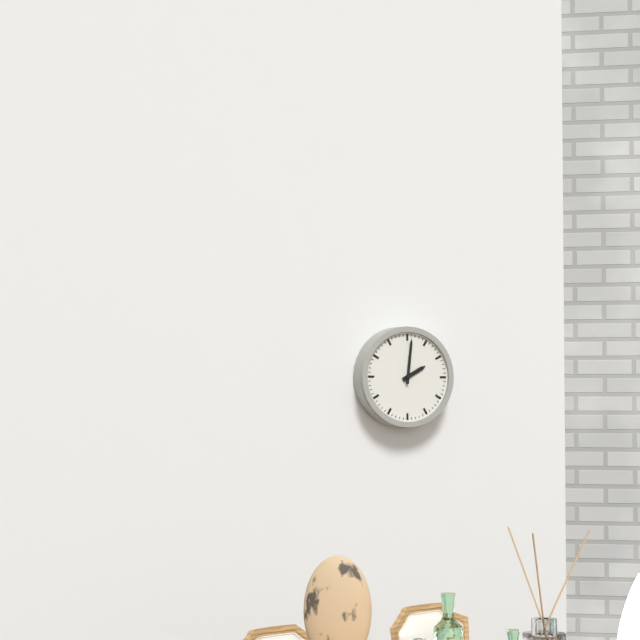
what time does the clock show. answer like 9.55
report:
2.01
